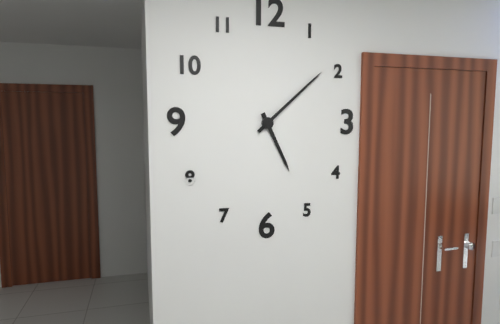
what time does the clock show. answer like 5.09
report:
5.08
